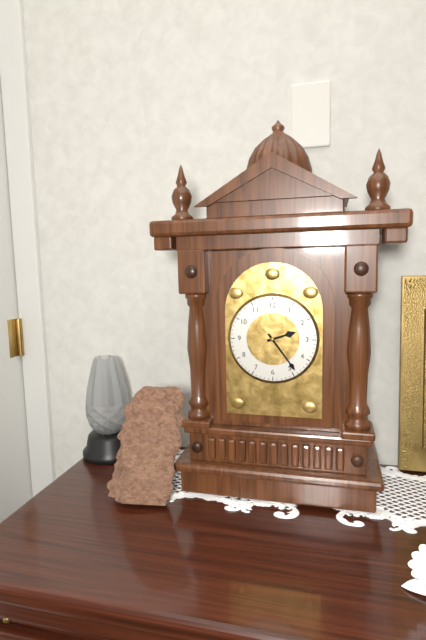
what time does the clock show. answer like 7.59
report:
2.24
